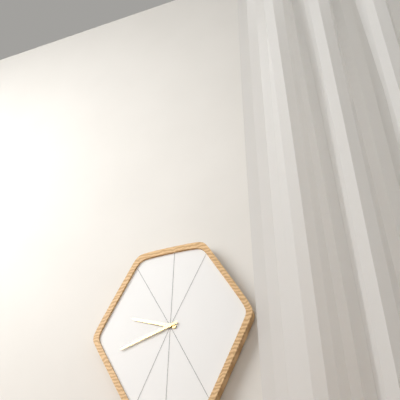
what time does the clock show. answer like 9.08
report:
9.42
